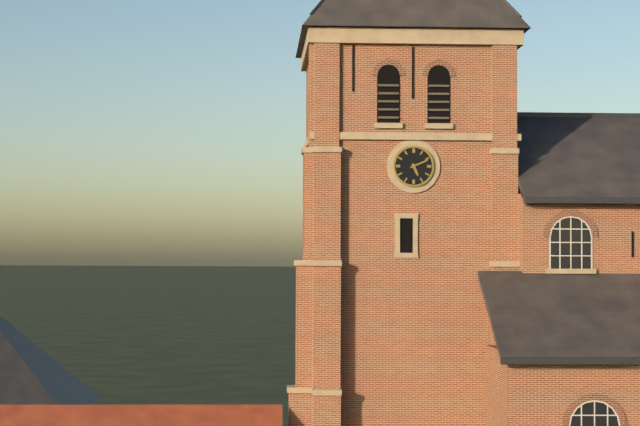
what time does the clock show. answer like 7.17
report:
5.11
